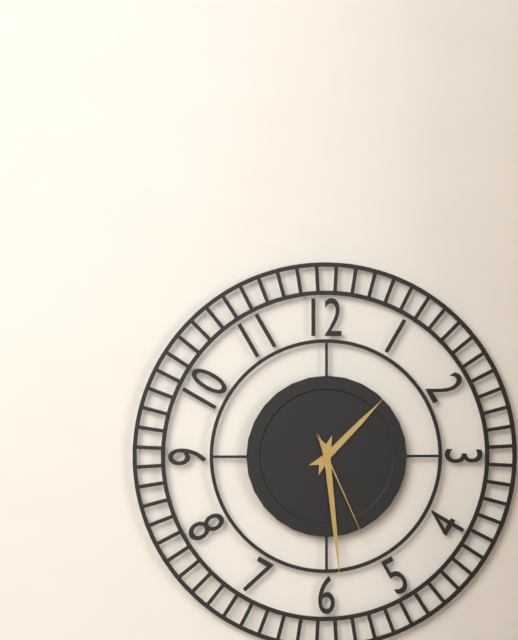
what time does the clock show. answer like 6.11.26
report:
1.29.26
